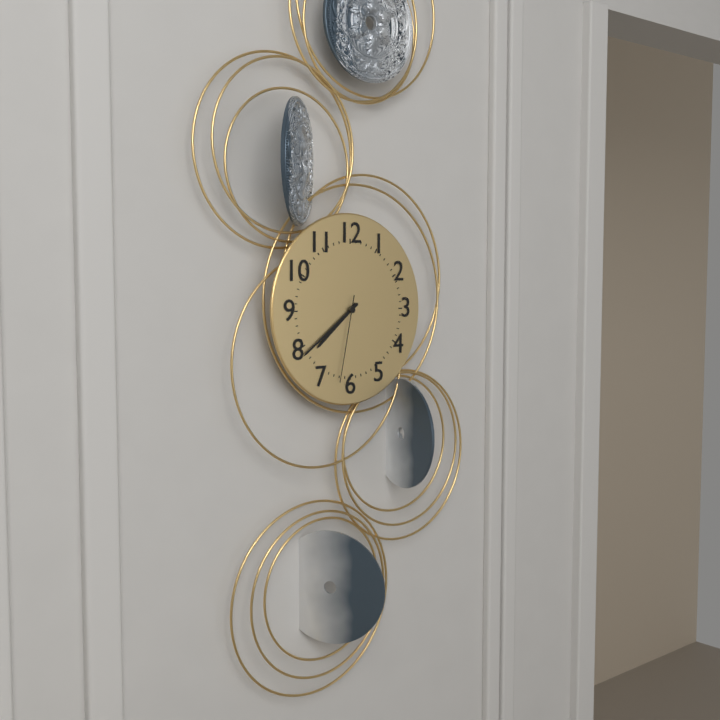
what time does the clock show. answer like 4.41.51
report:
7.39.32
